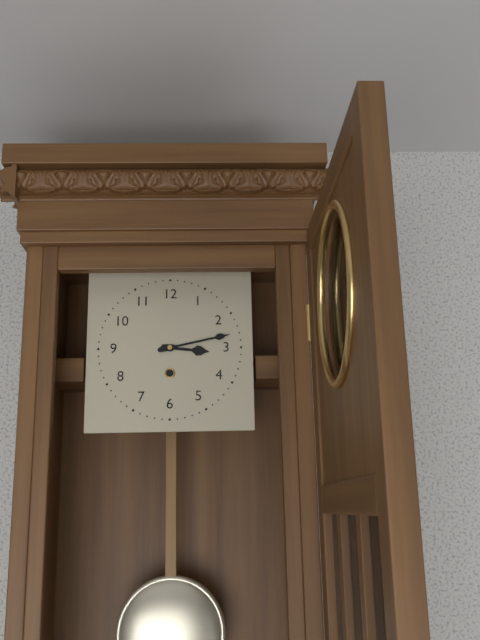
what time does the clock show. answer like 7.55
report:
3.13
